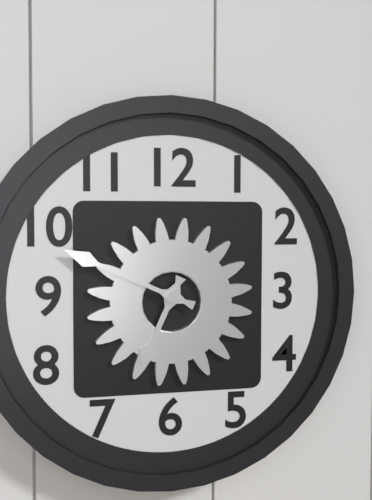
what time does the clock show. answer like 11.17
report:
6.49
